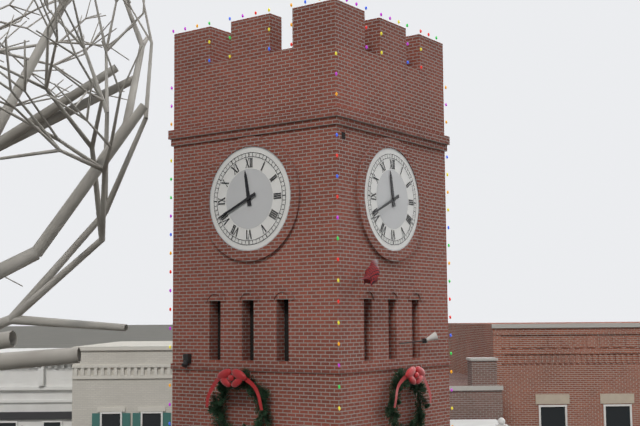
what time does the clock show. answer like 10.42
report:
11.41
